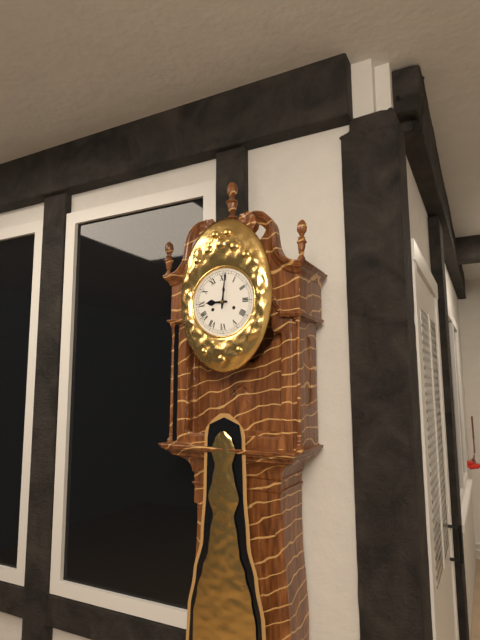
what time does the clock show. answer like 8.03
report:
9.01
